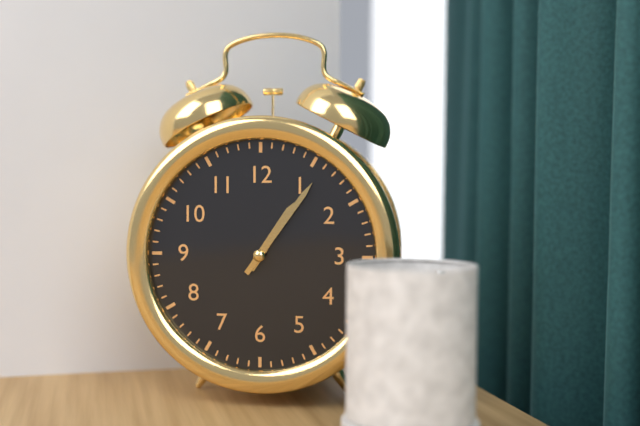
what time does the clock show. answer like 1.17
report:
1.06
